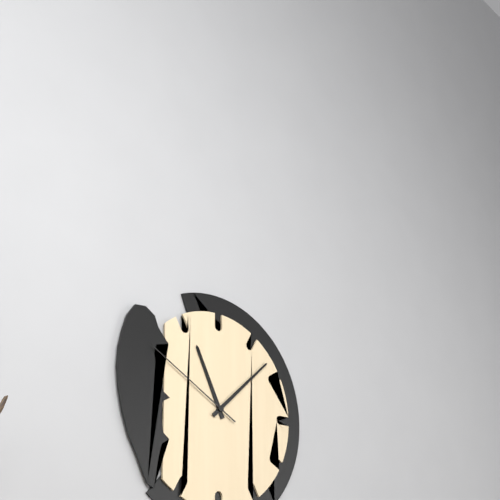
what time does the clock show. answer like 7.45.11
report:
11.08.50
